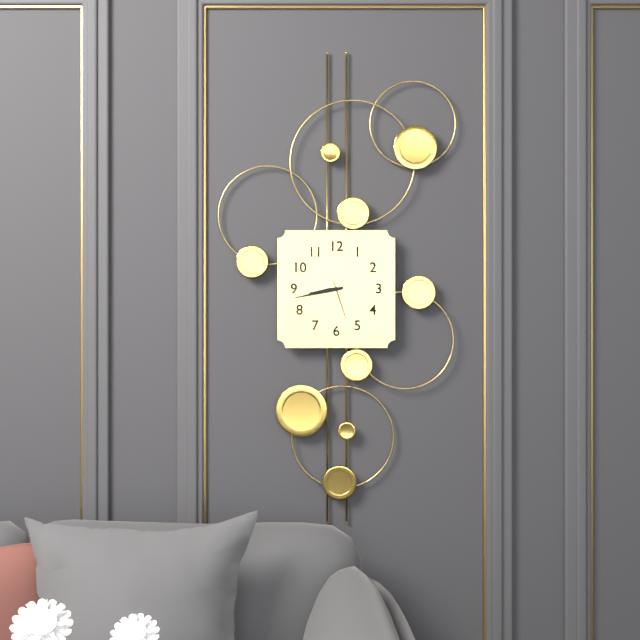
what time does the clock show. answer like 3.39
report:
8.43
